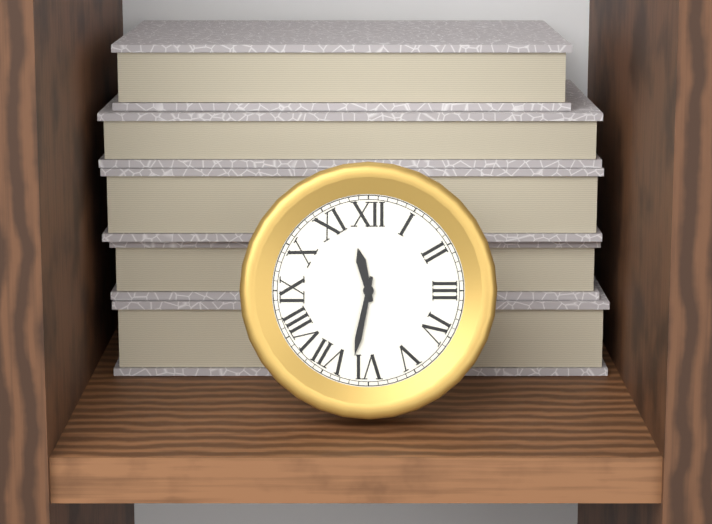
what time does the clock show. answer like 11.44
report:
11.32
